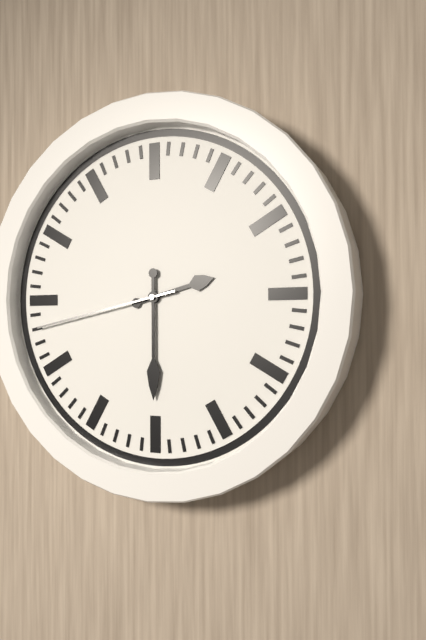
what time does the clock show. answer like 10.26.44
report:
2.30.43
